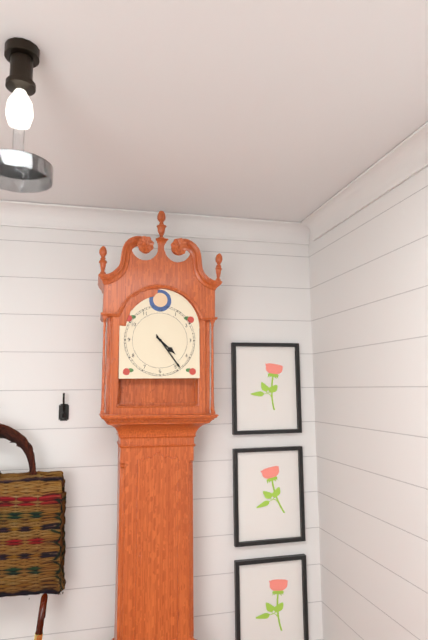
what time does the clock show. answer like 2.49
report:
4.24
